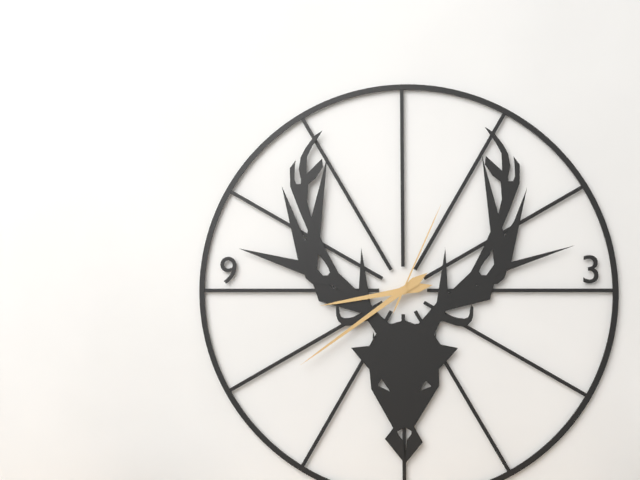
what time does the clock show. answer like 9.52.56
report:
8.39.04
